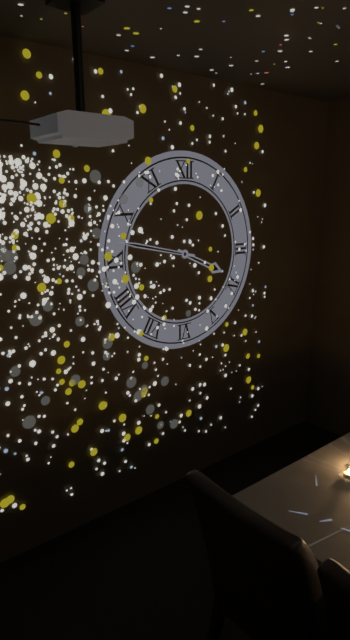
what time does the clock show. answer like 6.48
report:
3.47
